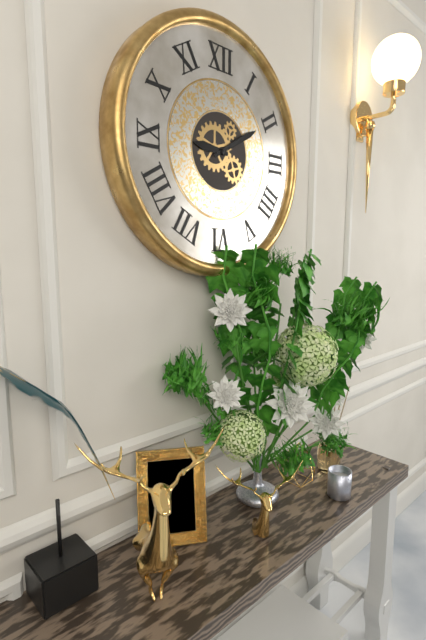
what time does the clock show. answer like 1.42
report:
9.10
